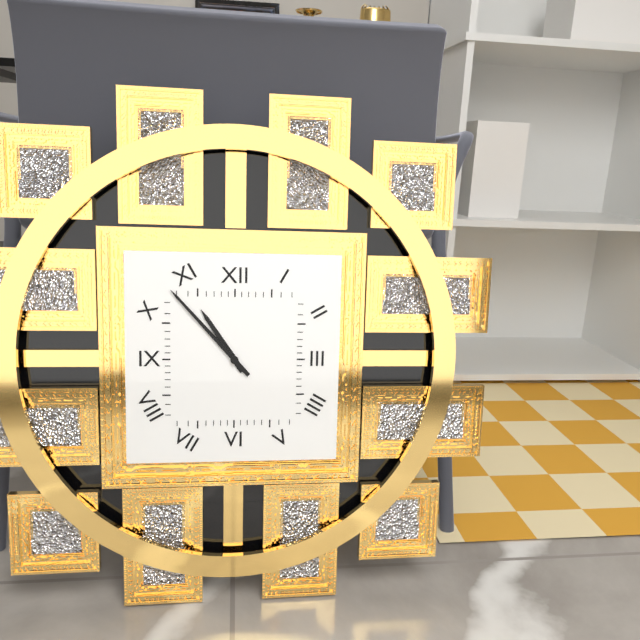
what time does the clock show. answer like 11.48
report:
10.53
